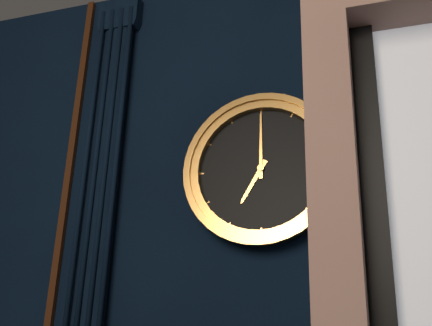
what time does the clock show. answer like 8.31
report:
7.00
